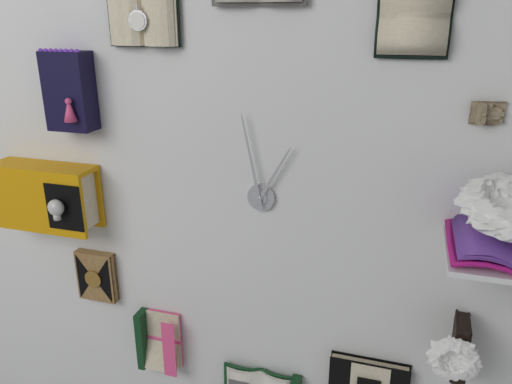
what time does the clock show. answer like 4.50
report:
12.58
